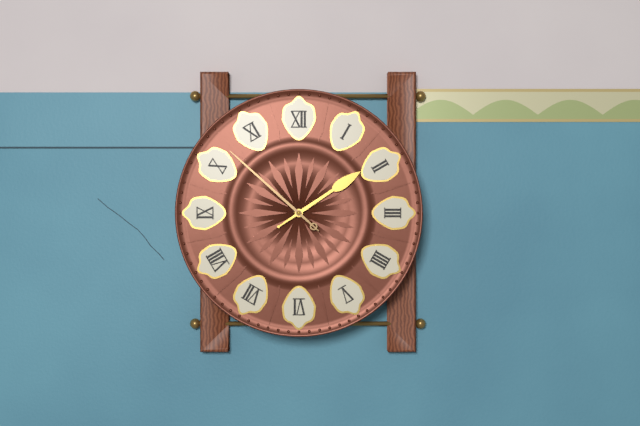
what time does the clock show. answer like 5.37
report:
1.52
